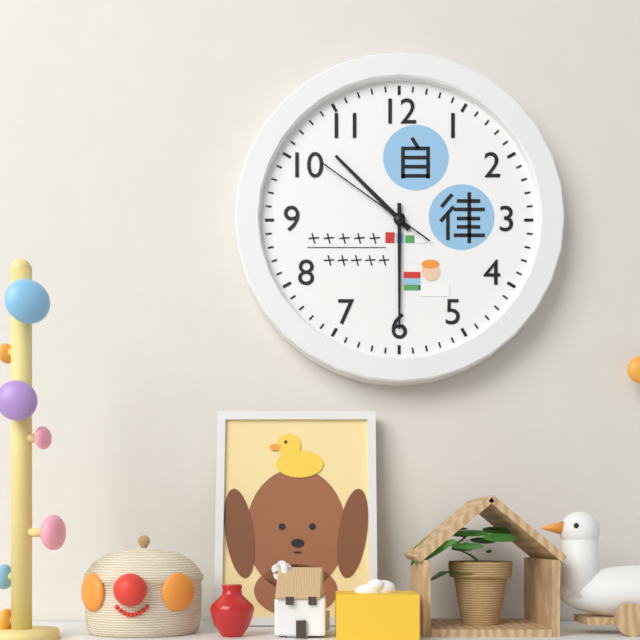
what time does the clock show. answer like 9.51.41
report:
10.30.51
